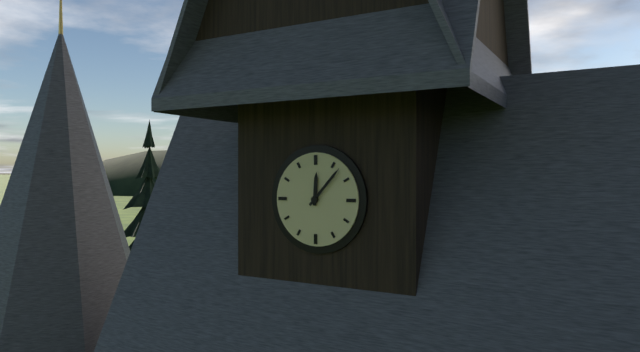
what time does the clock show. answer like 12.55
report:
12.07
